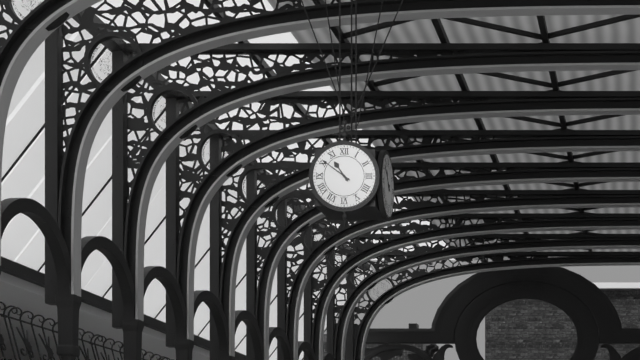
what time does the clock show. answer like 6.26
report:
10.51
